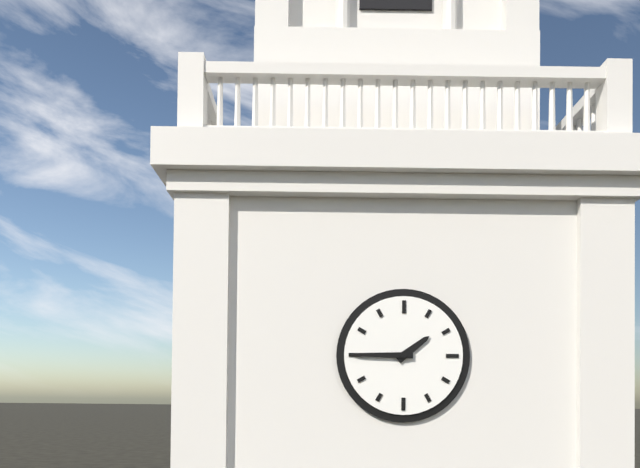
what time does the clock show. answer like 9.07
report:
1.45
